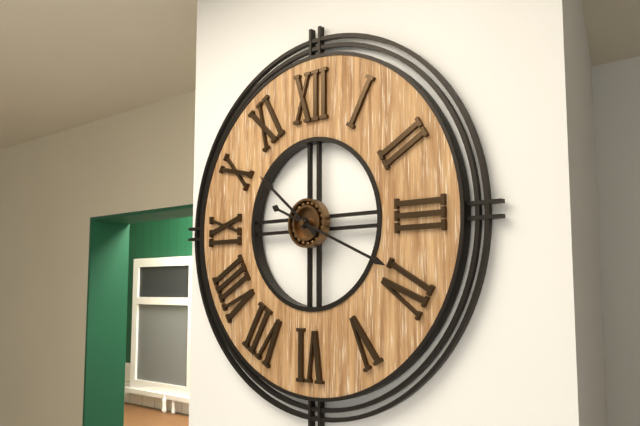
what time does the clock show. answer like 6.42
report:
10.19
